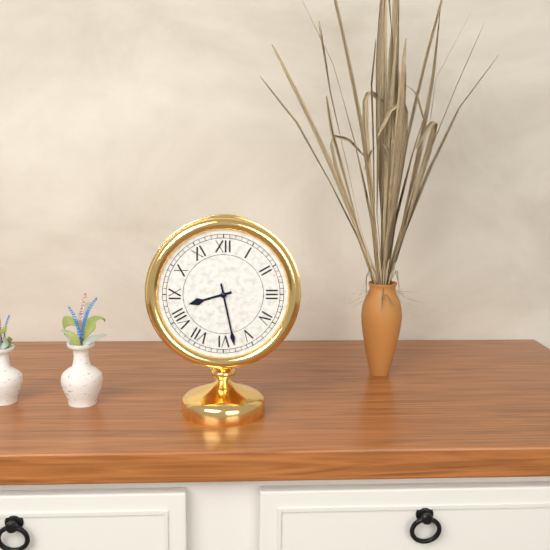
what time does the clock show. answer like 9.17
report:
8.28
